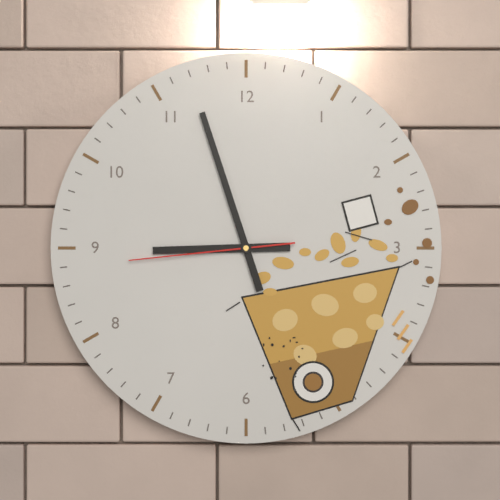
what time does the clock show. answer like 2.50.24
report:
8.57.44
